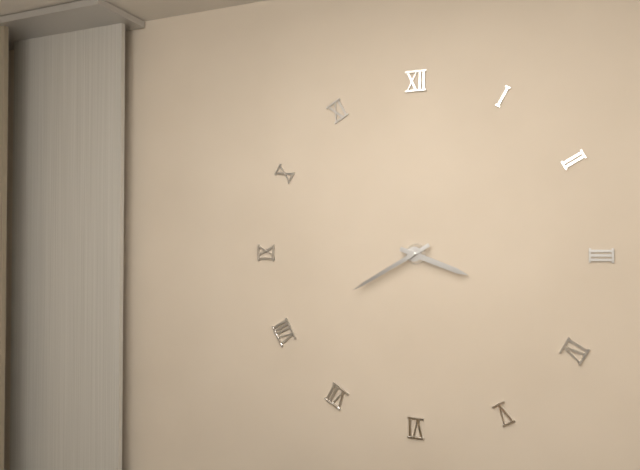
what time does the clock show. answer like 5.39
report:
3.40
